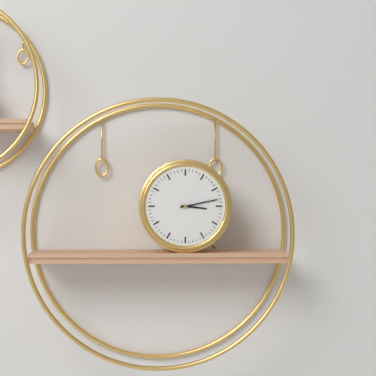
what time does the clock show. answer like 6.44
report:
3.13
